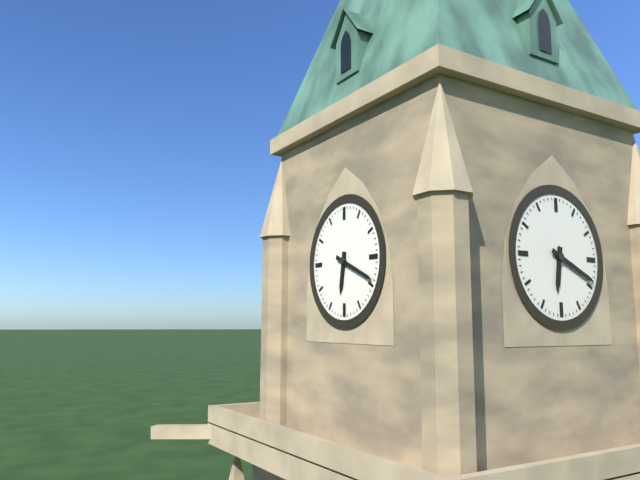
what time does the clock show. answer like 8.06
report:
6.19
